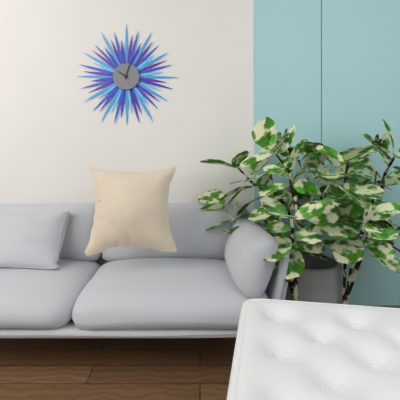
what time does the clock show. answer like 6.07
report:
10.03
